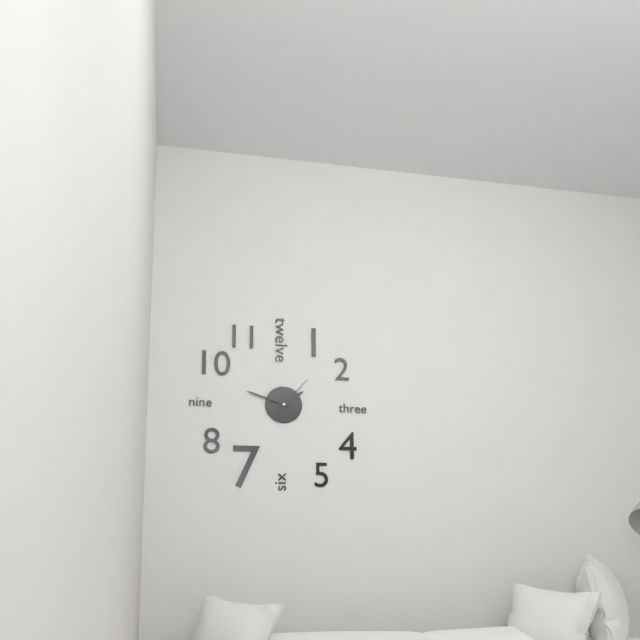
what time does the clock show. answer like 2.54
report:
1.48
